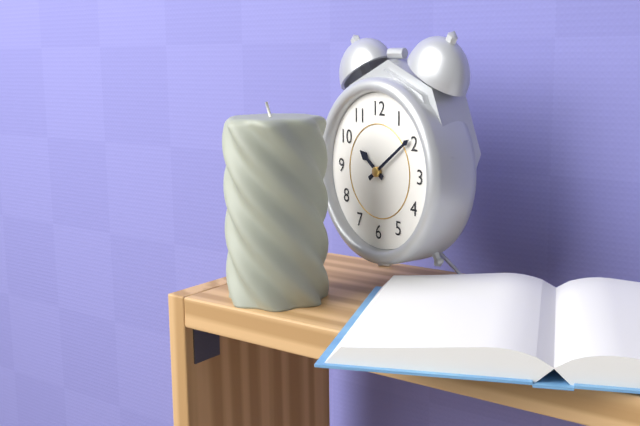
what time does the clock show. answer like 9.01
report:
10.09
